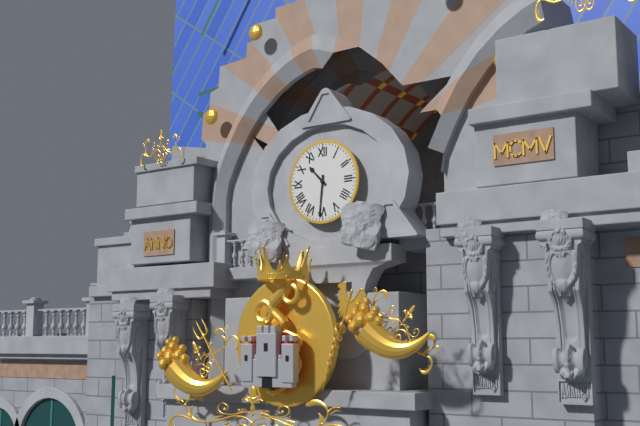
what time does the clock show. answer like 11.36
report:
10.31
